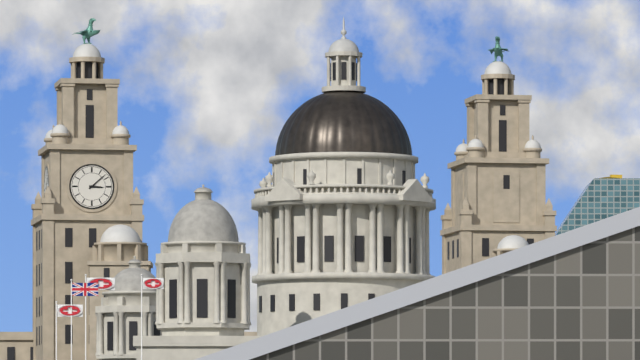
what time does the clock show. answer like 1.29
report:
3.08
